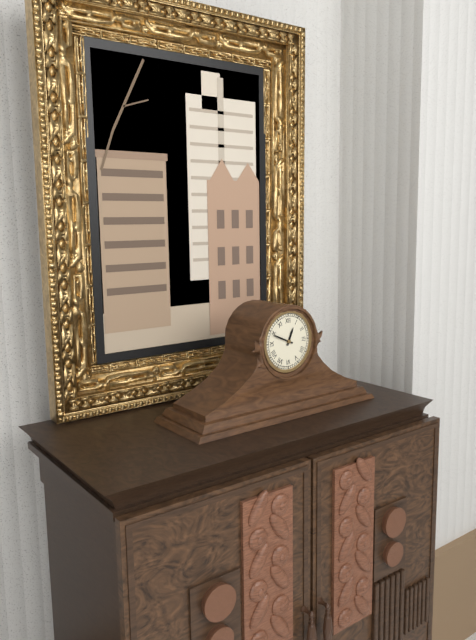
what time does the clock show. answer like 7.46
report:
12.49
